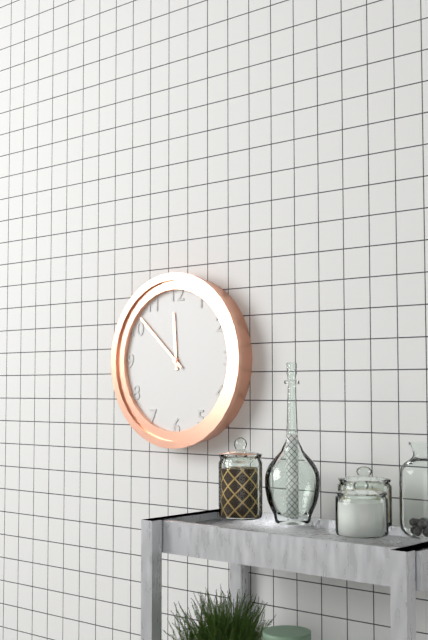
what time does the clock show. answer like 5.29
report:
11.52
